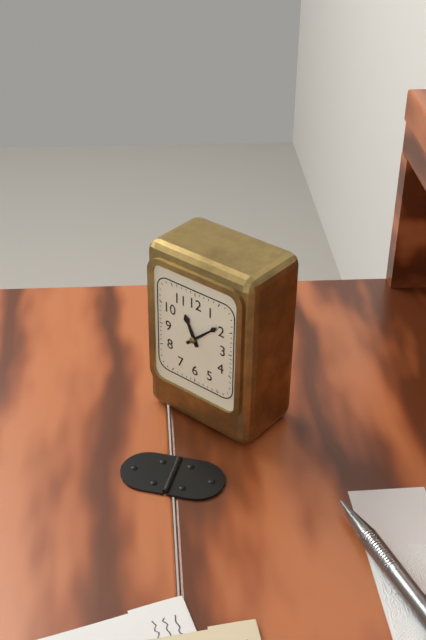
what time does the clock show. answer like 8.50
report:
11.08
